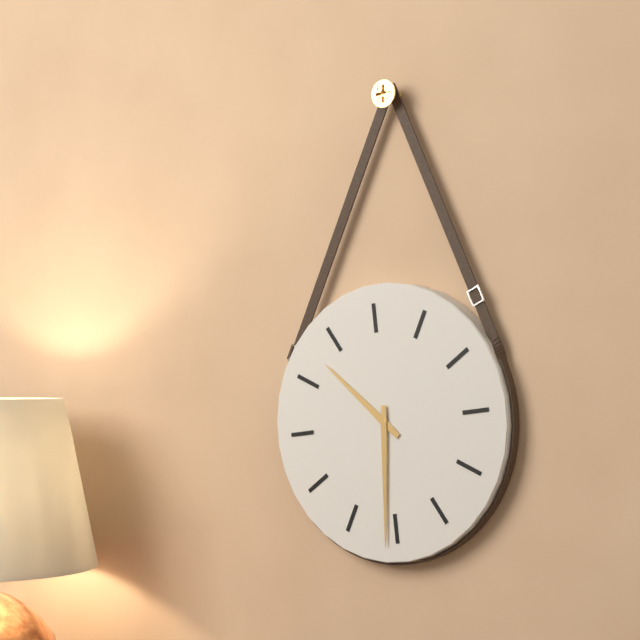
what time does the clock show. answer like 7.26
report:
10.31
